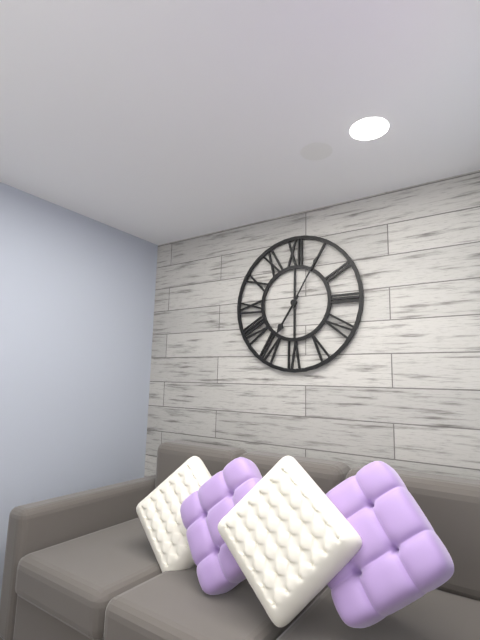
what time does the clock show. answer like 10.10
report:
7.05
